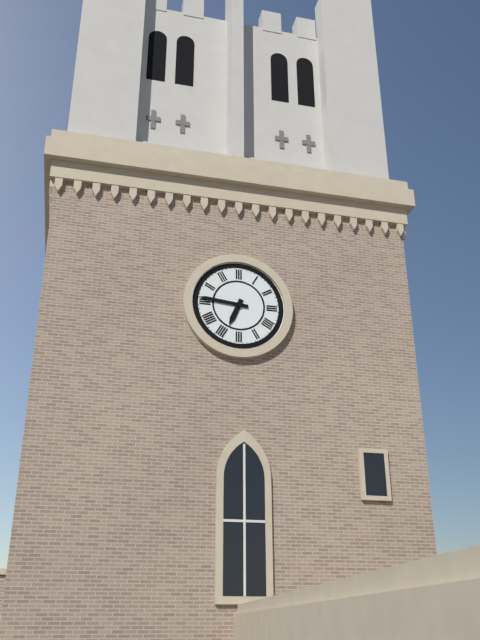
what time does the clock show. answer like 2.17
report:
6.46
